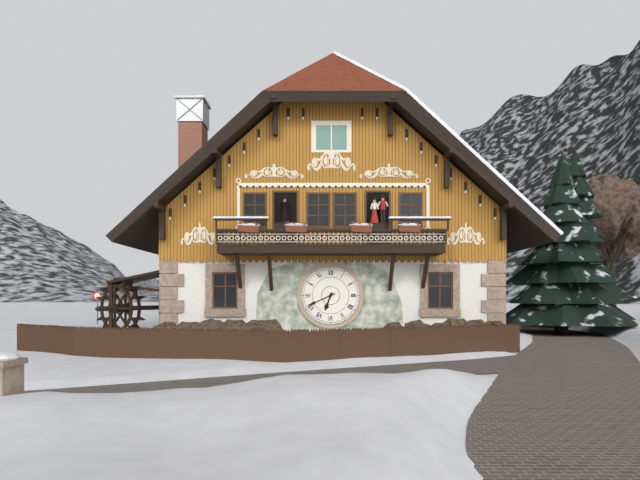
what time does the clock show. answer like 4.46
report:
6.41
